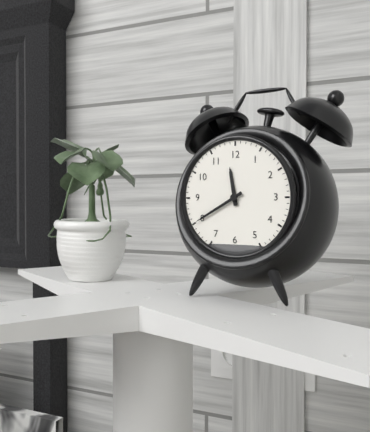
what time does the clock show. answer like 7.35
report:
11.40
